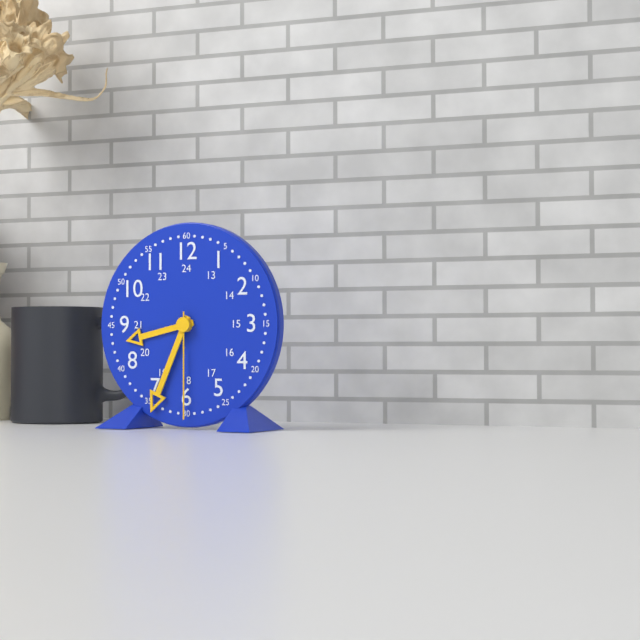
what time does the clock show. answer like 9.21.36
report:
8.34.30
